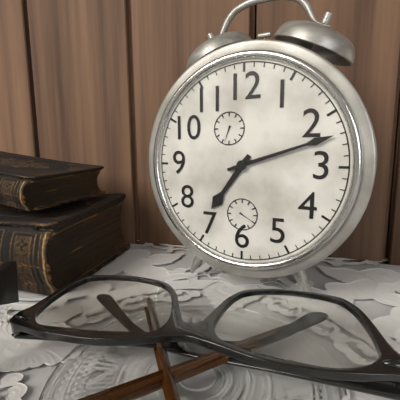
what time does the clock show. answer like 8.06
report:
7.12
